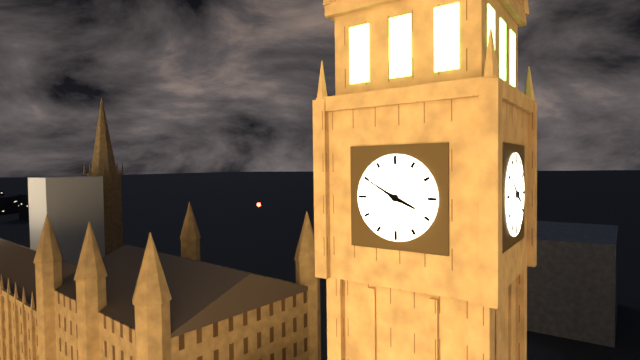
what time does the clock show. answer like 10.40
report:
3.50
